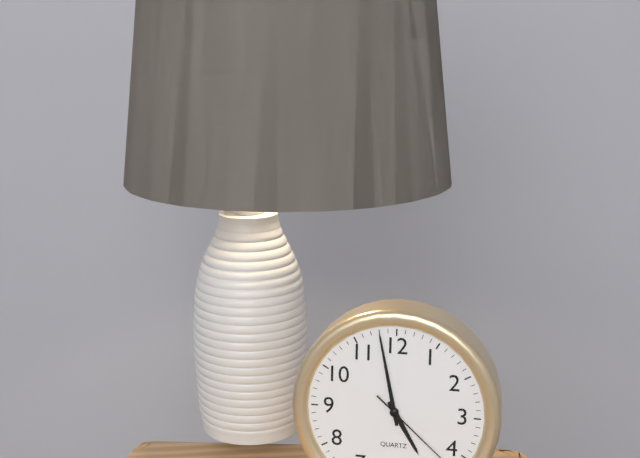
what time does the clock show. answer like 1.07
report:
4.58
